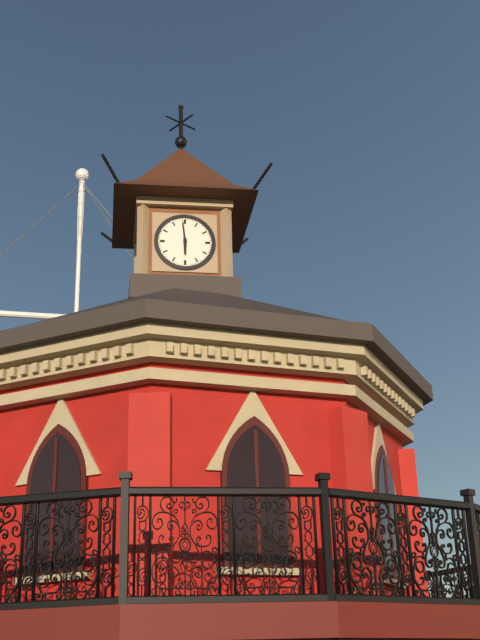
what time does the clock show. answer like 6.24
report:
5.59
